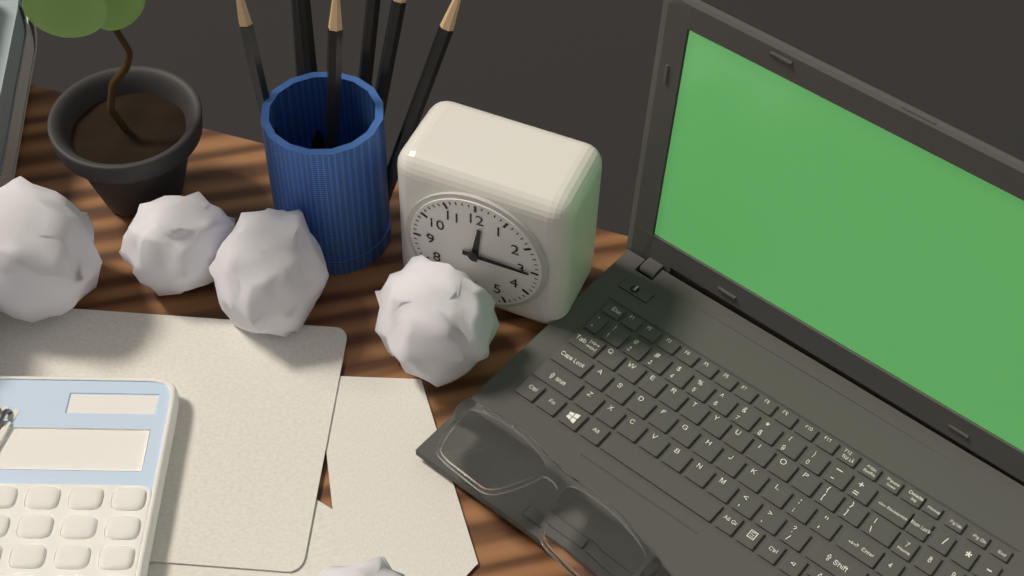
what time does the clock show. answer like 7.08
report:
12.15
